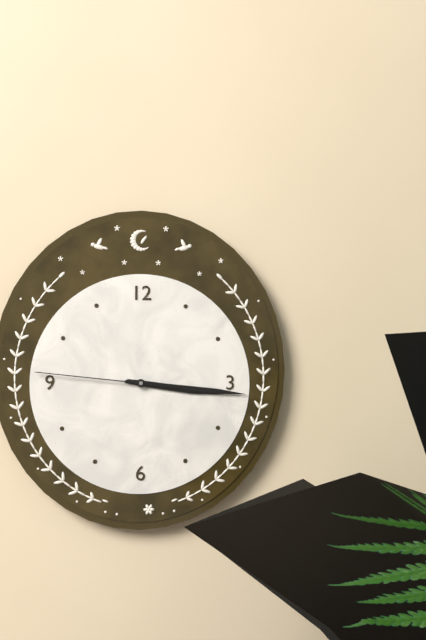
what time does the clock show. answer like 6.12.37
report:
3.16.46
